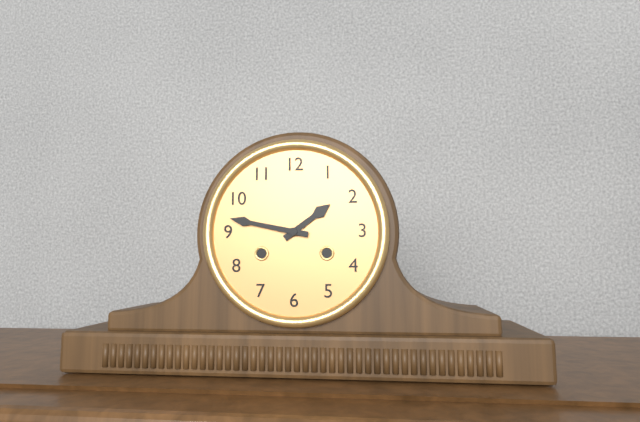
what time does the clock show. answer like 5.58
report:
1.47
